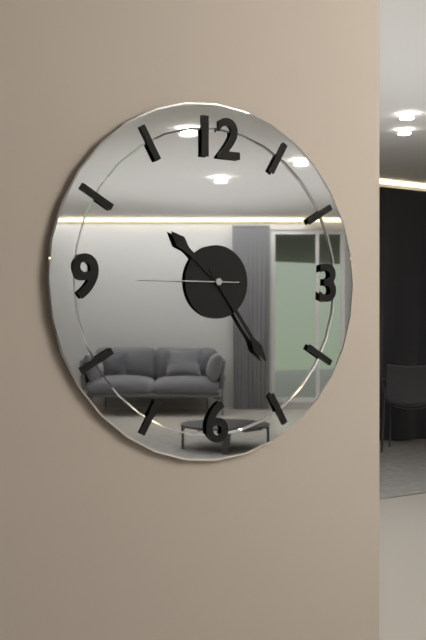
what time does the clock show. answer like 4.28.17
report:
10.24.45
